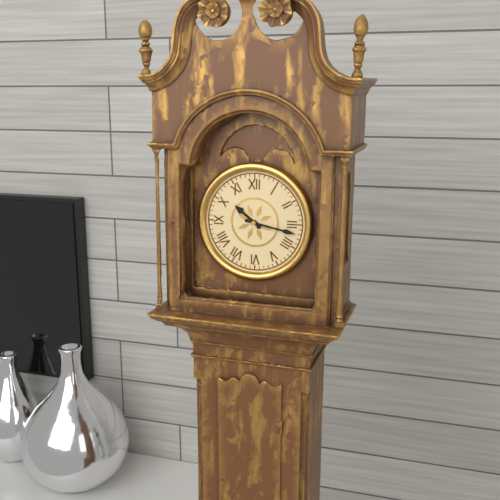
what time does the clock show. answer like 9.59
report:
10.17
